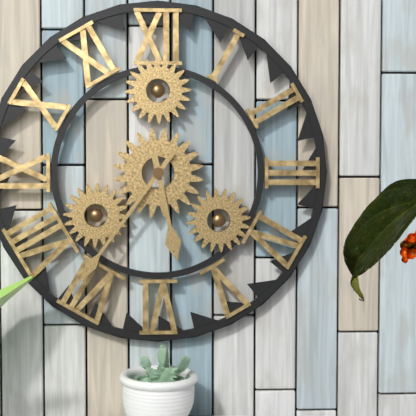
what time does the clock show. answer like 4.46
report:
5.36
